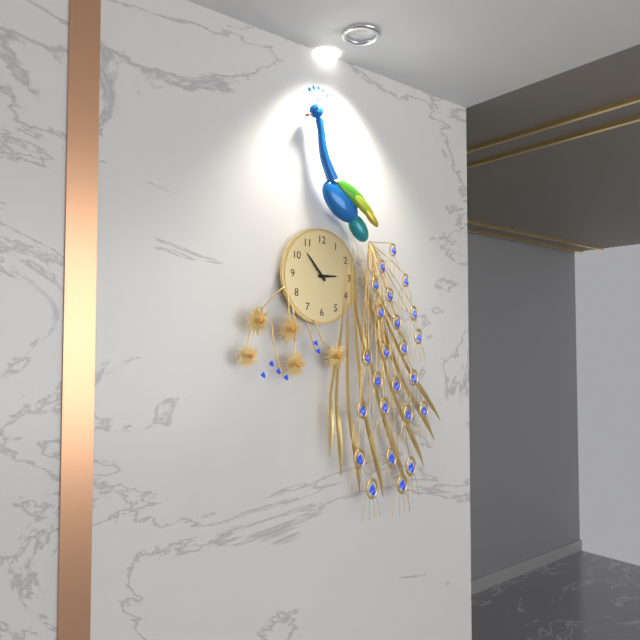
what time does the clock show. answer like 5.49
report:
2.53
